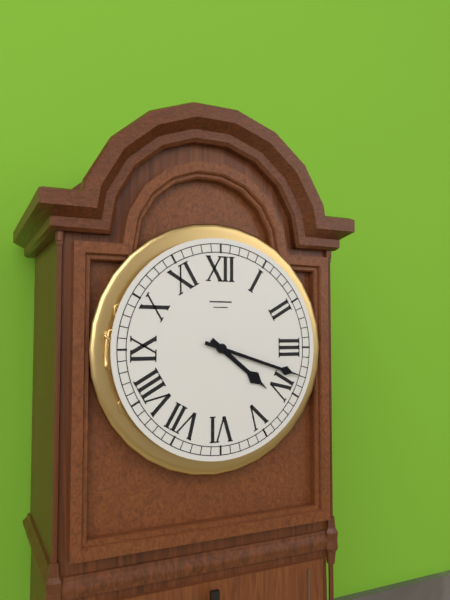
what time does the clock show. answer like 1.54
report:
4.18
